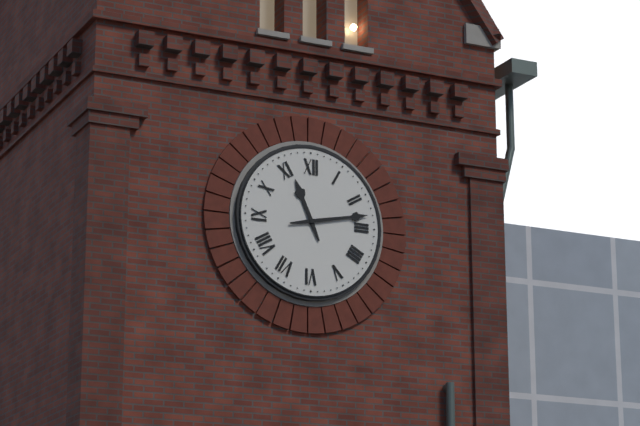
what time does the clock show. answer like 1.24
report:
11.13
